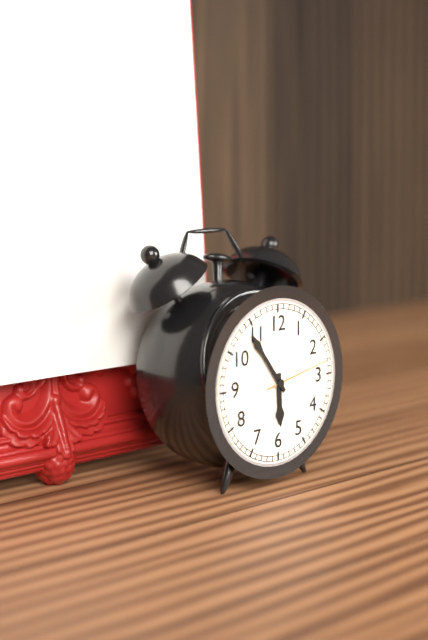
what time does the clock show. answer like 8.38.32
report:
5.54.13
